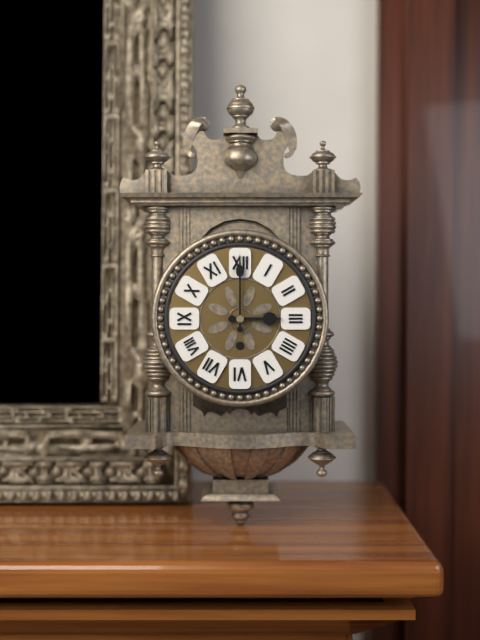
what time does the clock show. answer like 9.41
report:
3.00
